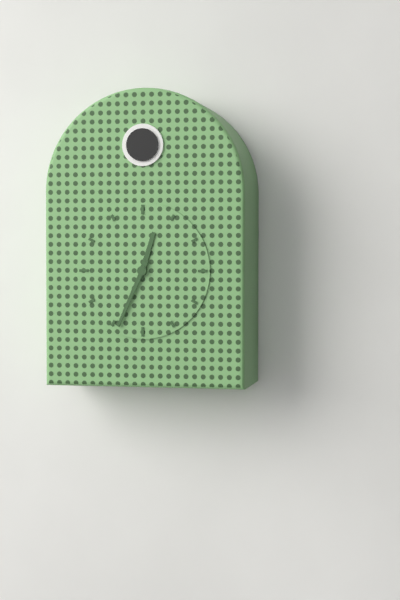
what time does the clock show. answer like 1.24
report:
12.34
